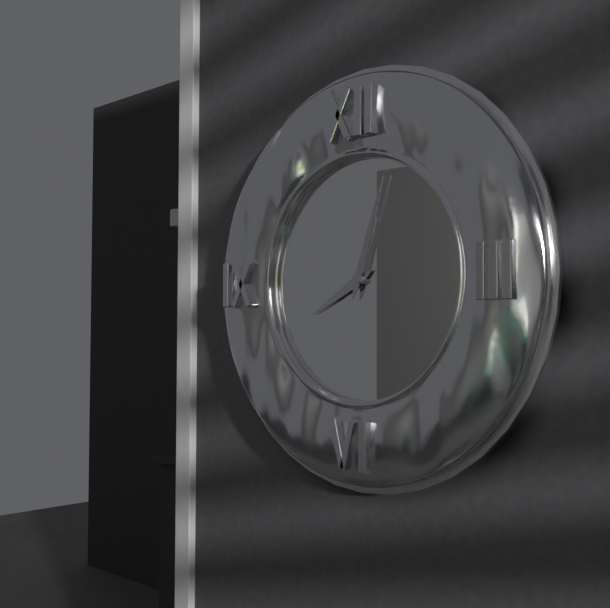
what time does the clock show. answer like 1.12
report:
8.03
